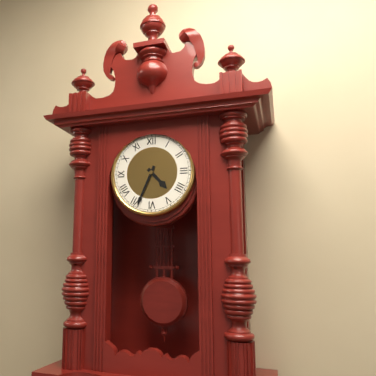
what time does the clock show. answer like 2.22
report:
4.34
